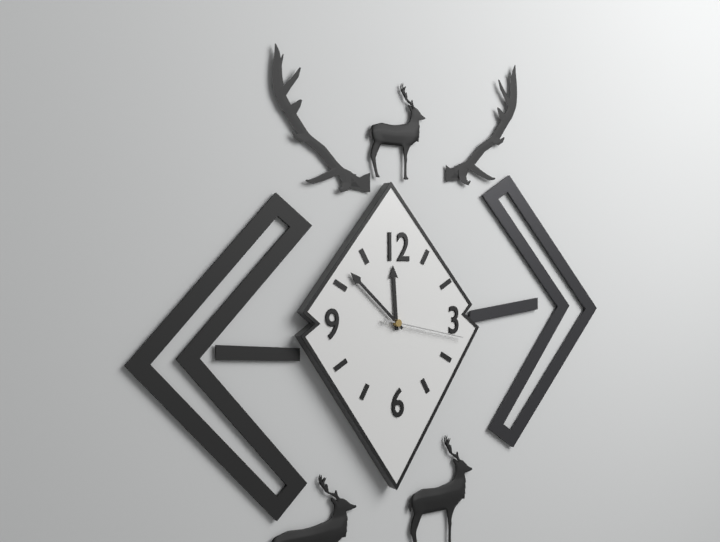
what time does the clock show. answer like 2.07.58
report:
11.52.17
